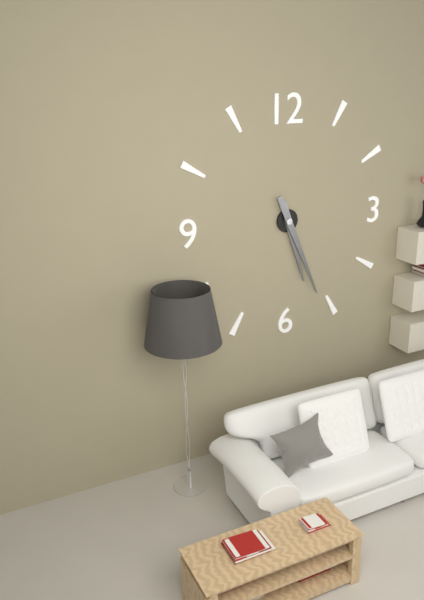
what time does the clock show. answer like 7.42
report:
5.26
